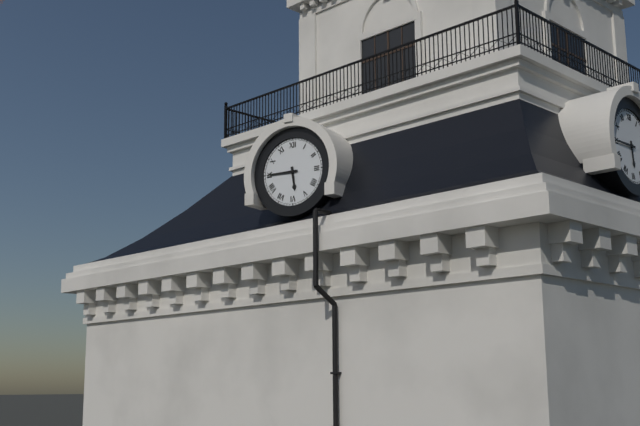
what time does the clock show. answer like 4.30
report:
5.45
